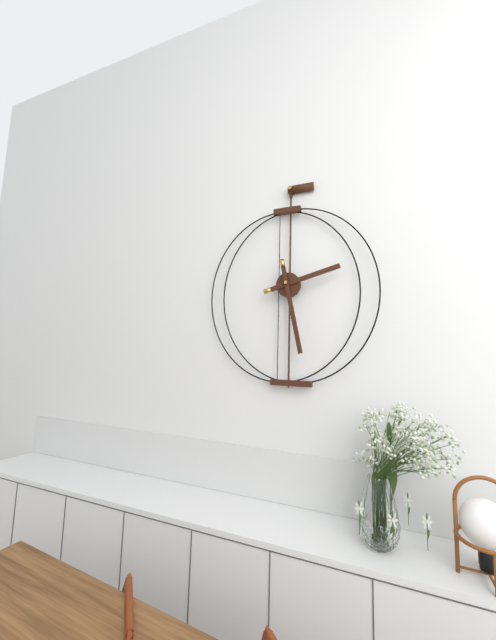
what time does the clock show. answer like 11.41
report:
2.28
